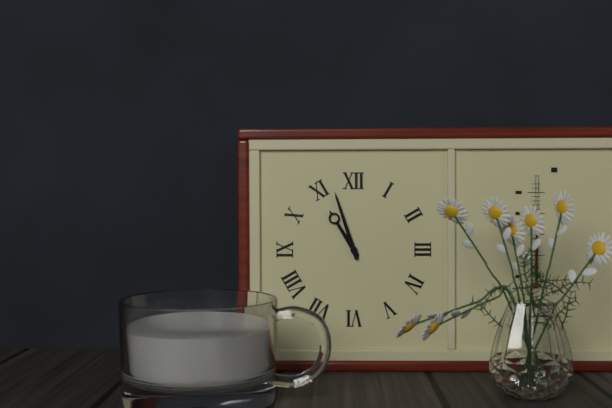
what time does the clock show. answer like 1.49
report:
10.57
